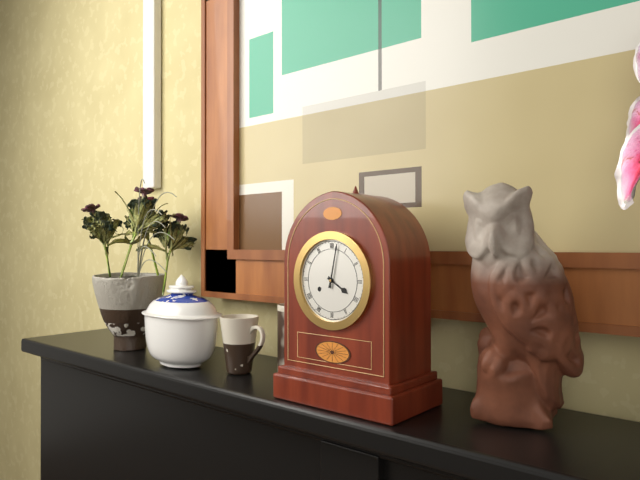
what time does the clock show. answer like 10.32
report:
4.02
